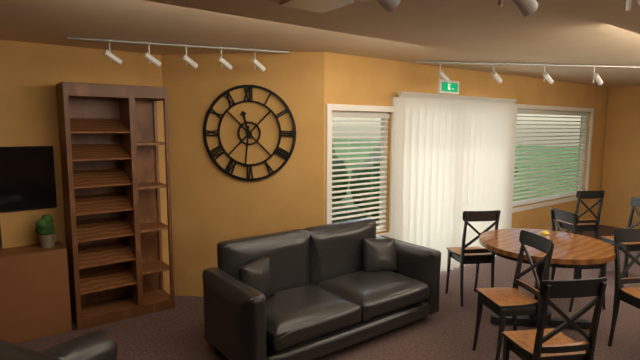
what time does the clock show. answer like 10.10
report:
11.31
